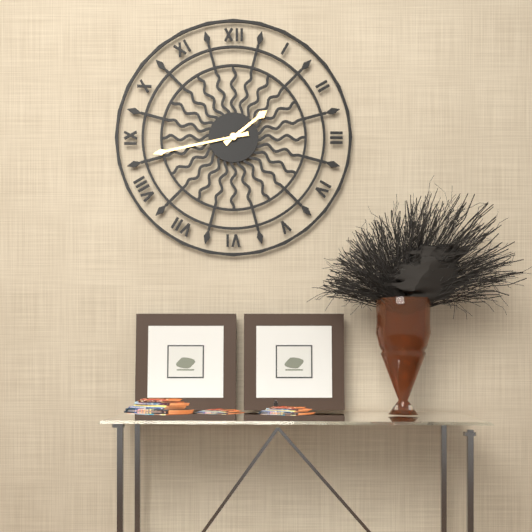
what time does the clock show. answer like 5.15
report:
1.43
